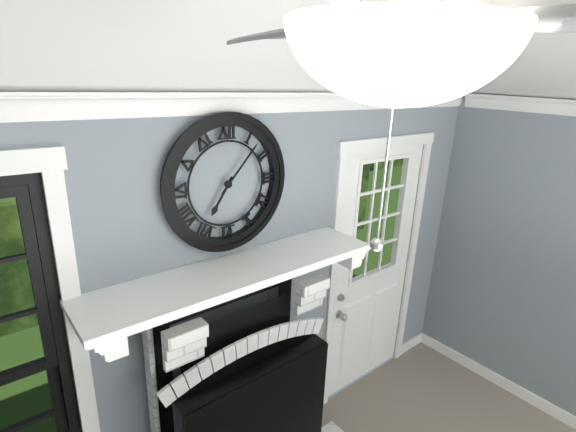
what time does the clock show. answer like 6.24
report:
7.07
